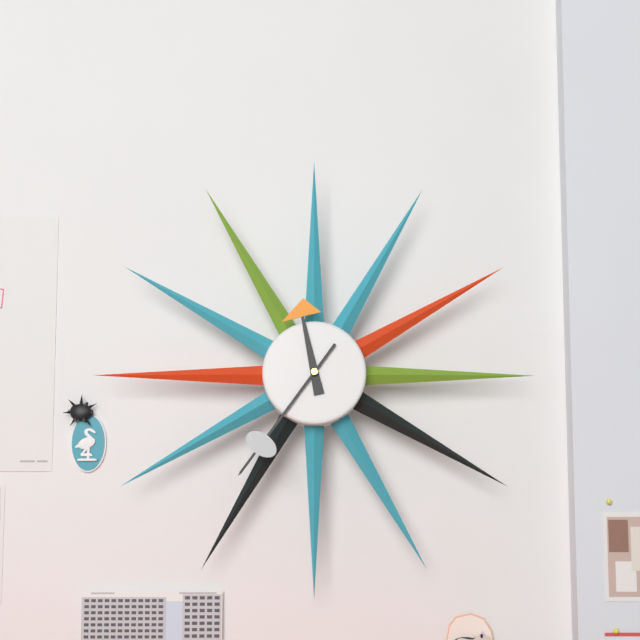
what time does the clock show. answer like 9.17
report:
11.36
